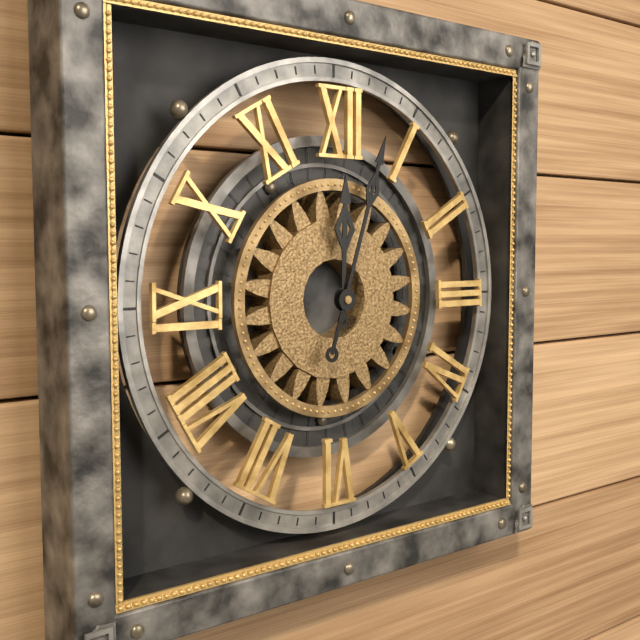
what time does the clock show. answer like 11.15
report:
12.03
